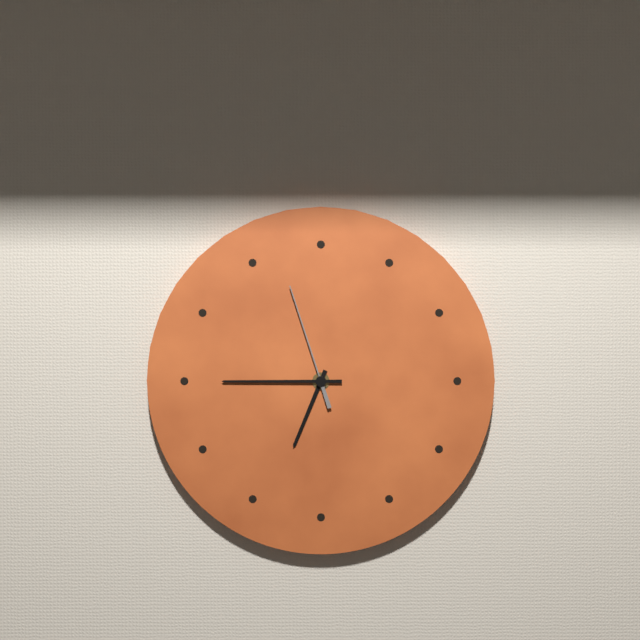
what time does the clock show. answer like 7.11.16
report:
6.45.57
